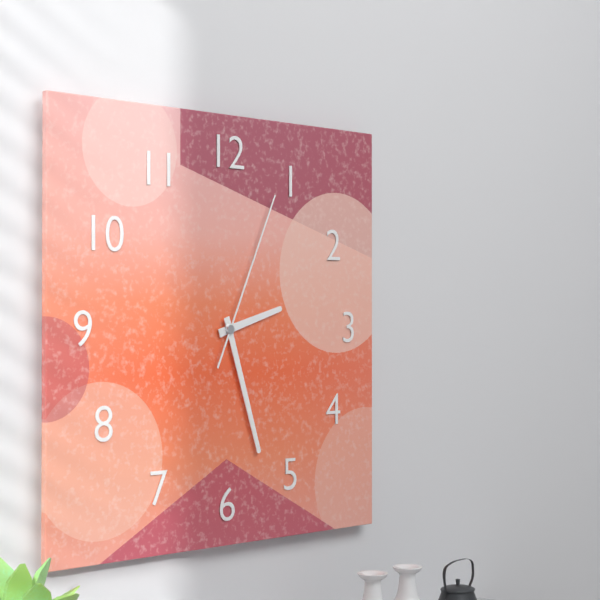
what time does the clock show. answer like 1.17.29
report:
2.27.04
